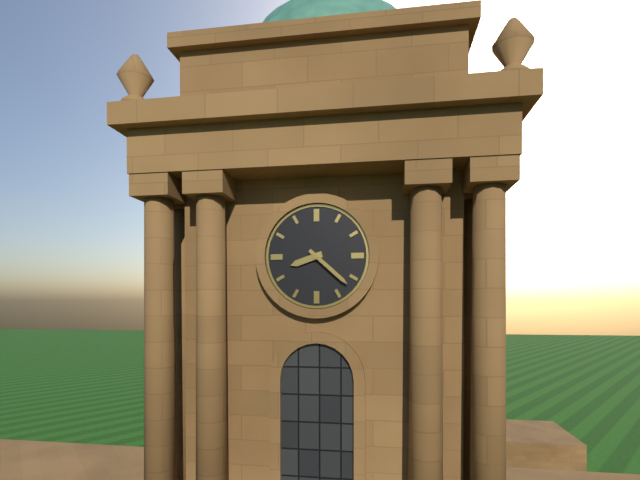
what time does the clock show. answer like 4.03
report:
8.22
